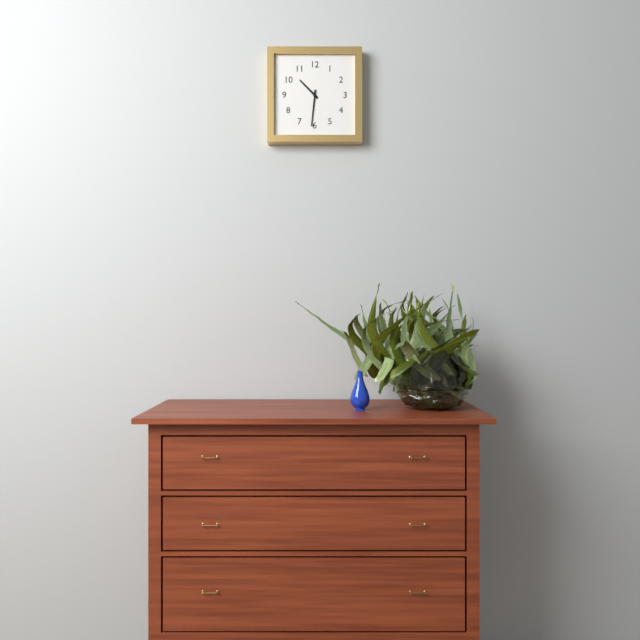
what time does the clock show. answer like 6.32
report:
10.31
